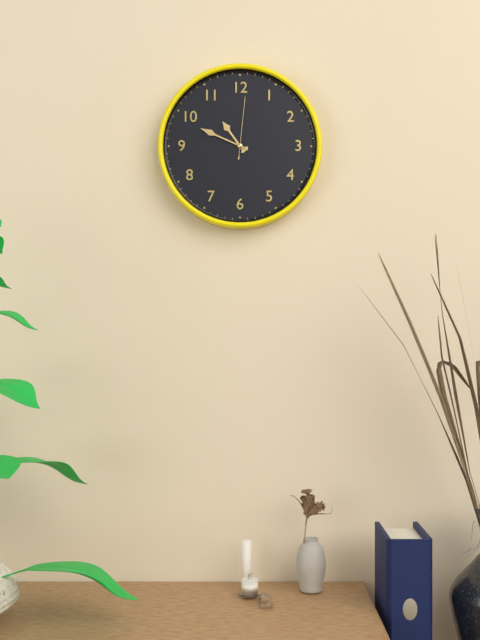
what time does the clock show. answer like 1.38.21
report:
10.49.01
